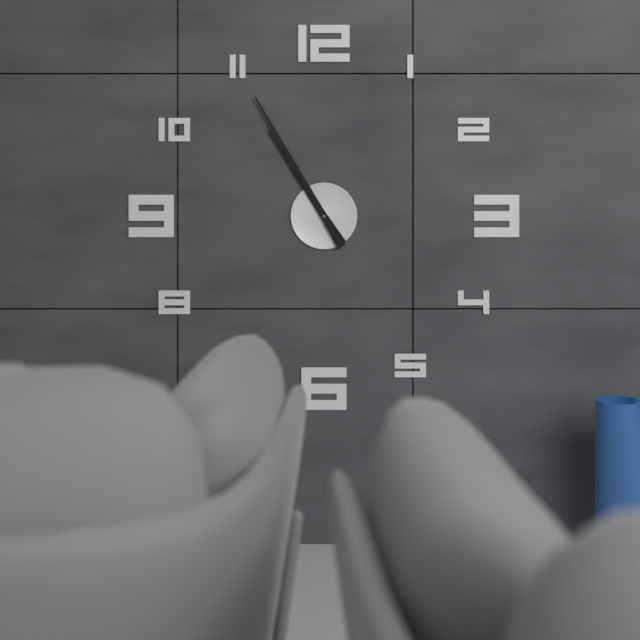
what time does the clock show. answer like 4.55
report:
10.55
